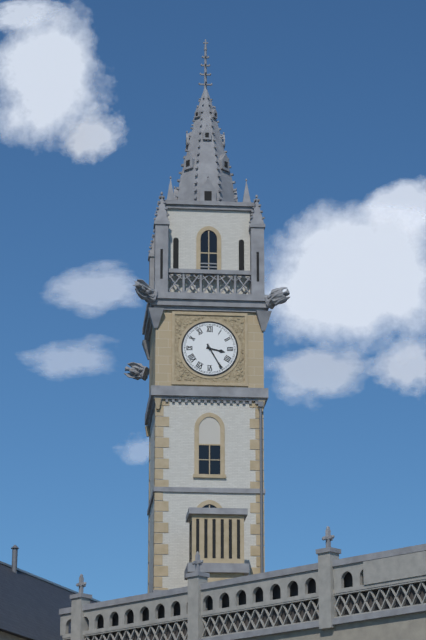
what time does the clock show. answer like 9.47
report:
3.25
